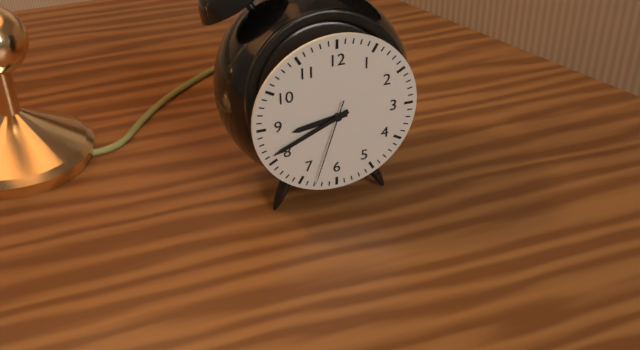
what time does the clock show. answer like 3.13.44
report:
8.41.33
